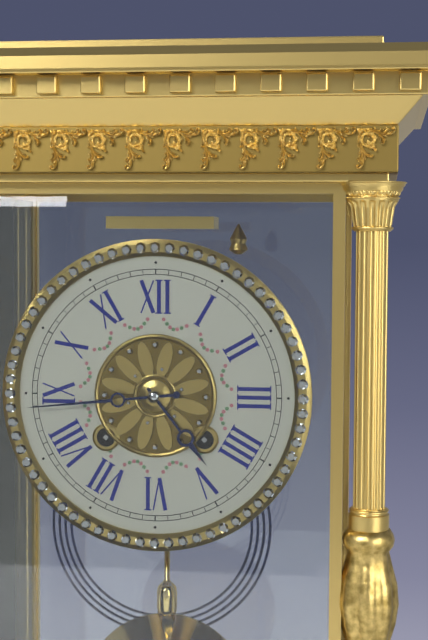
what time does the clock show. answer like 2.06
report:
4.44
